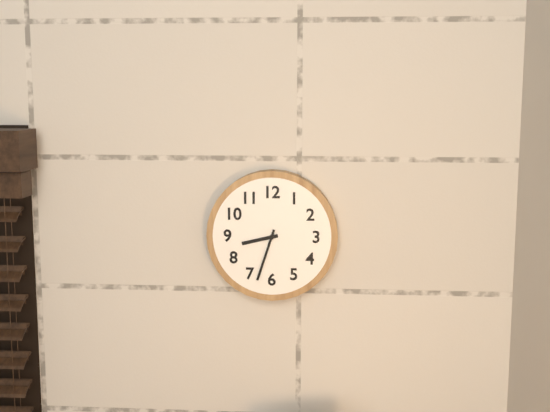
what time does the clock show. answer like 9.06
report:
8.33
